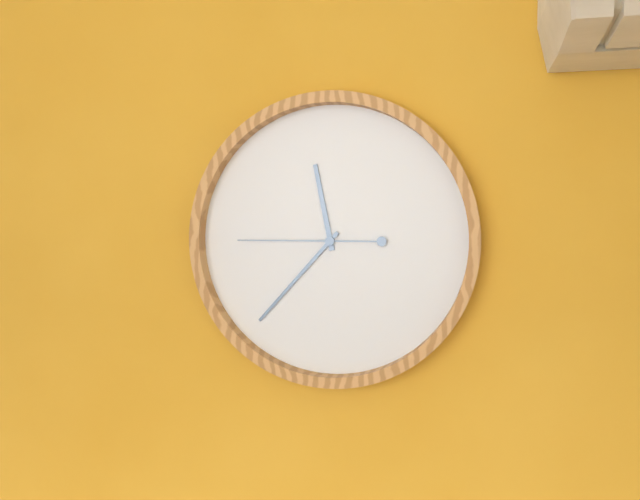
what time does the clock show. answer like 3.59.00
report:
11.37.45
